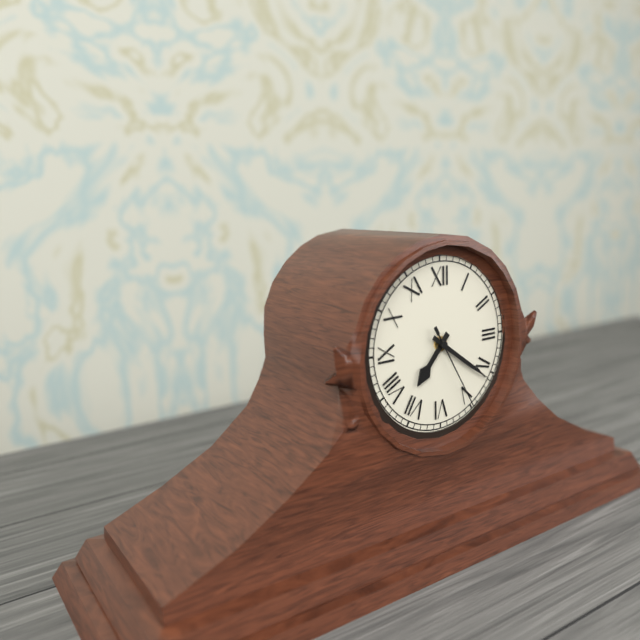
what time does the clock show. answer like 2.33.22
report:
7.21.25
